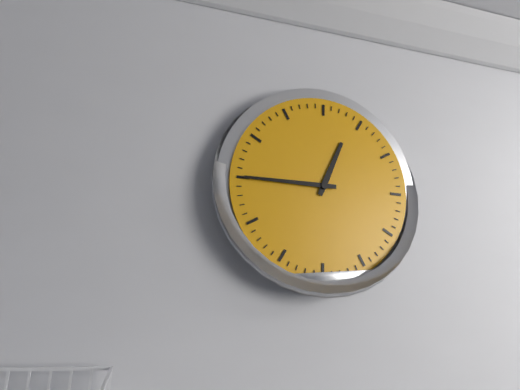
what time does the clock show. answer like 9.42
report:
12.45
